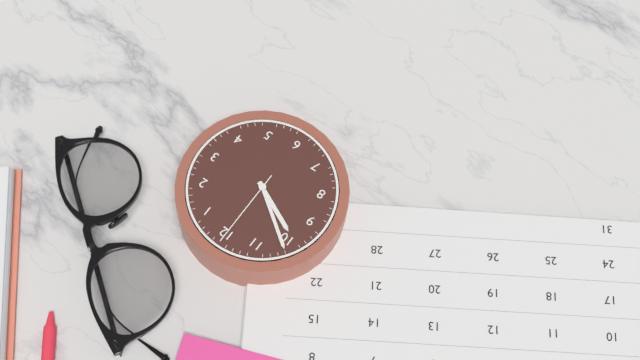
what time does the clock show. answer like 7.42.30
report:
9.51.00
